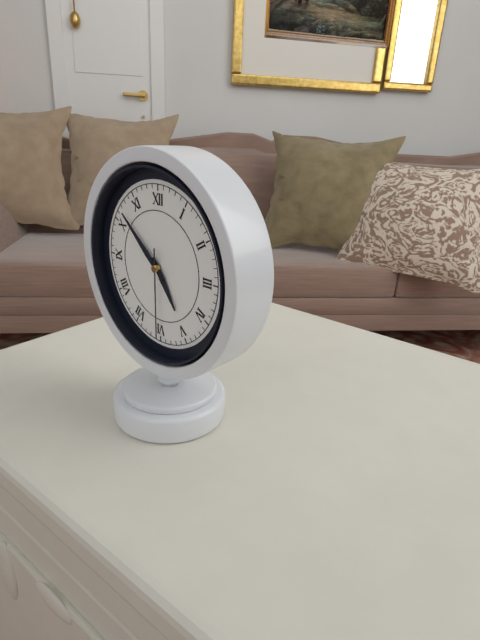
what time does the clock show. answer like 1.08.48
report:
4.52.30
